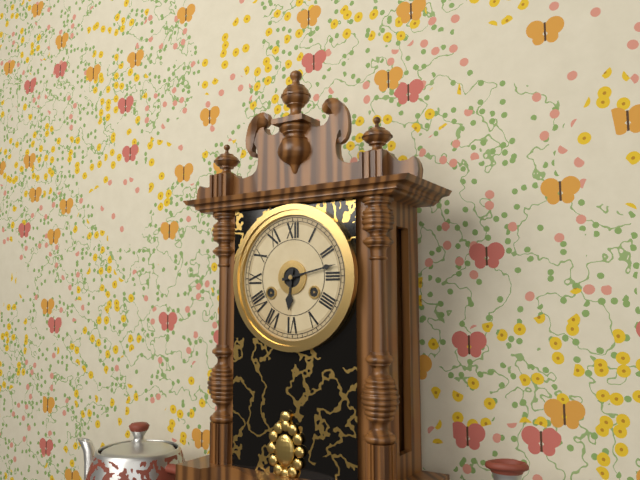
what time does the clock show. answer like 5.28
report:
6.13
